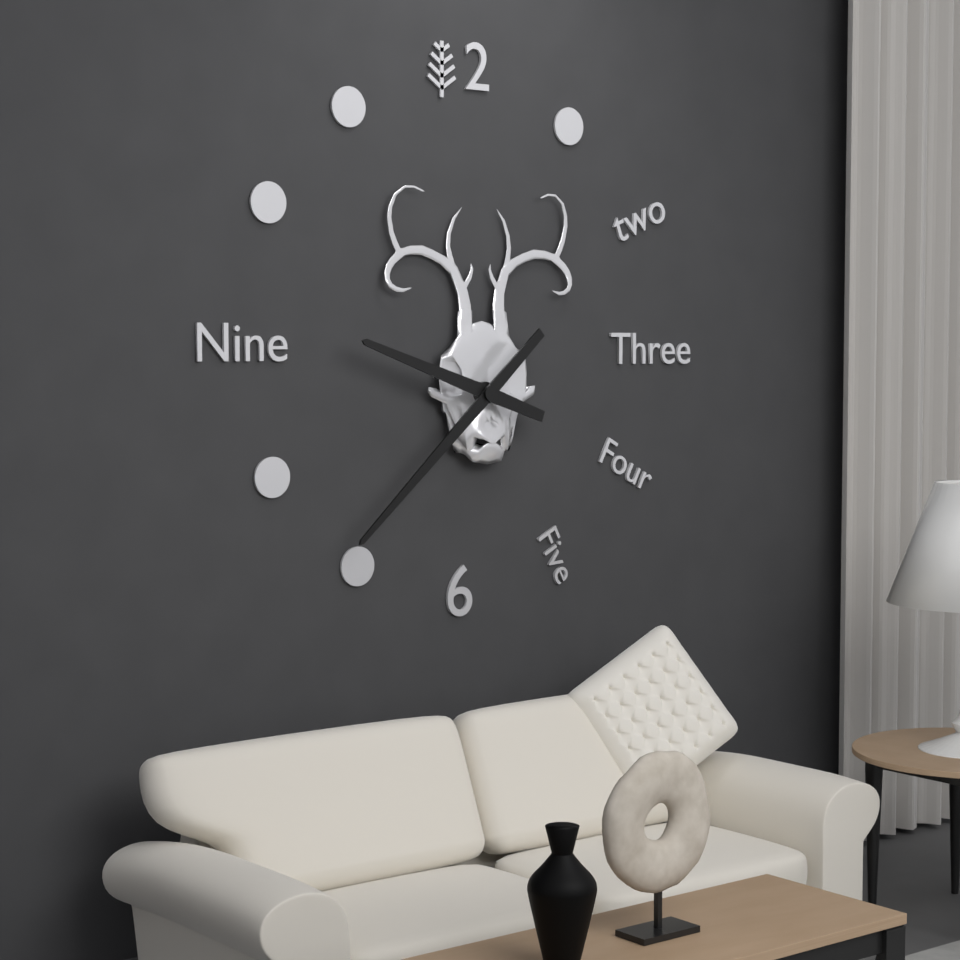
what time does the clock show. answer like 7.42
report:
9.38
